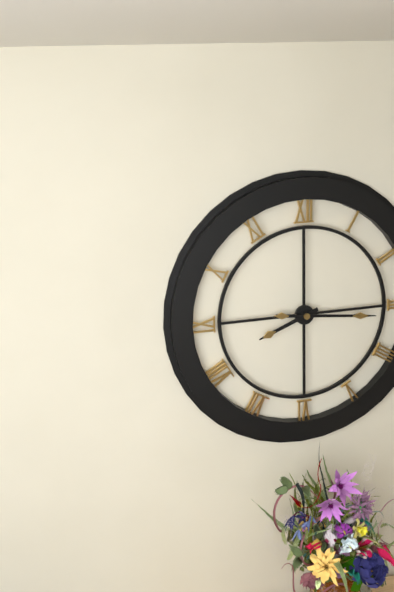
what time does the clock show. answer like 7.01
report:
8.16
